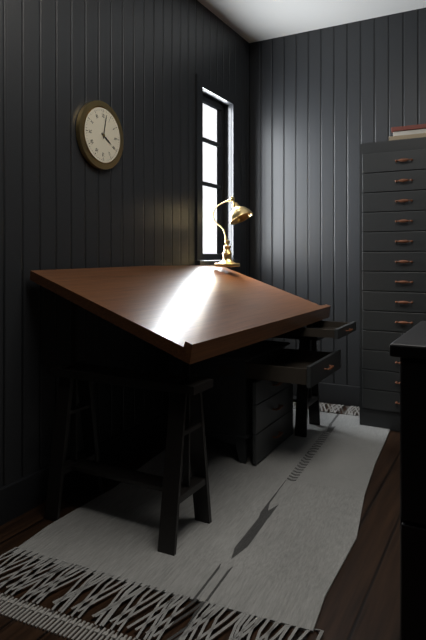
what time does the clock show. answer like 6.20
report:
4.02
